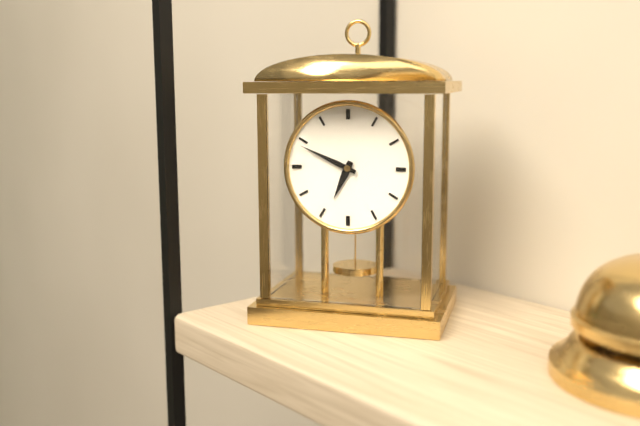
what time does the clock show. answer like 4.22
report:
6.49
